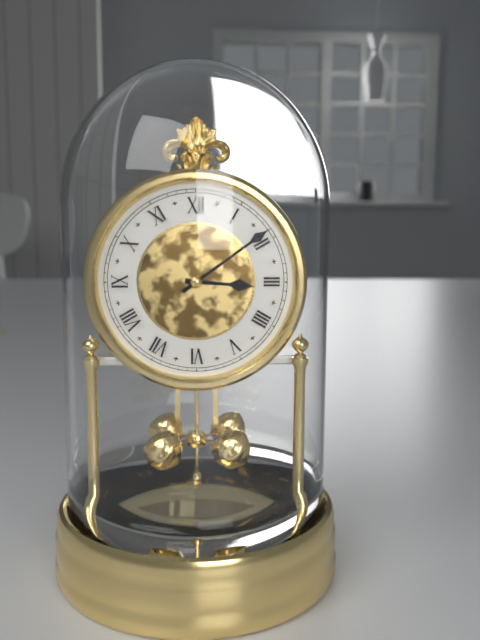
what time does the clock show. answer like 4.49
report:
3.09
